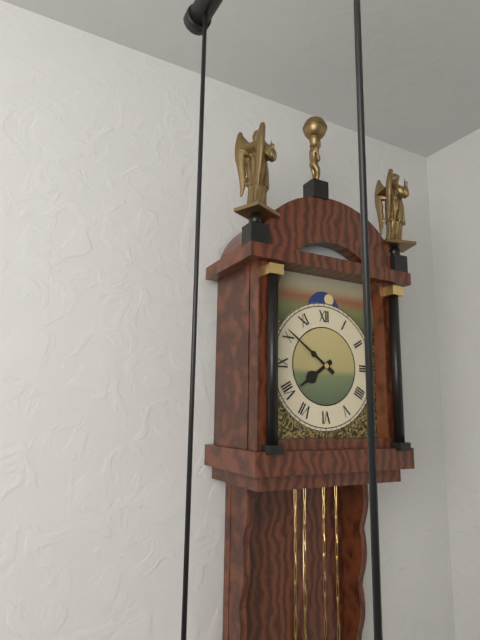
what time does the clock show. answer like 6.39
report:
7.51
